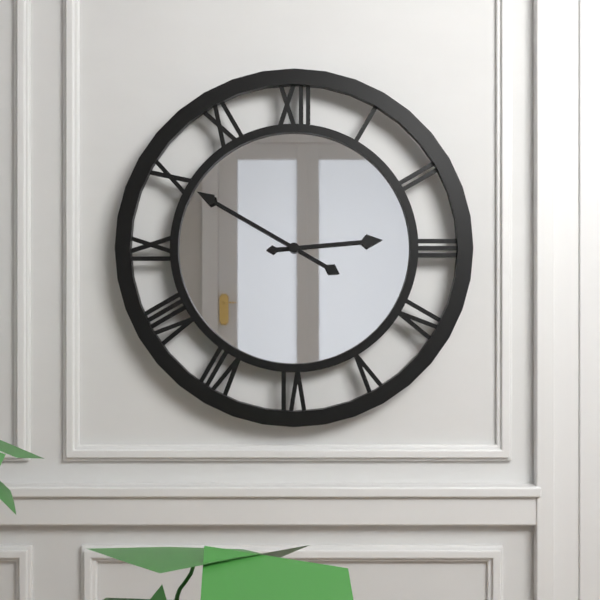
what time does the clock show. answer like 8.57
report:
2.50
